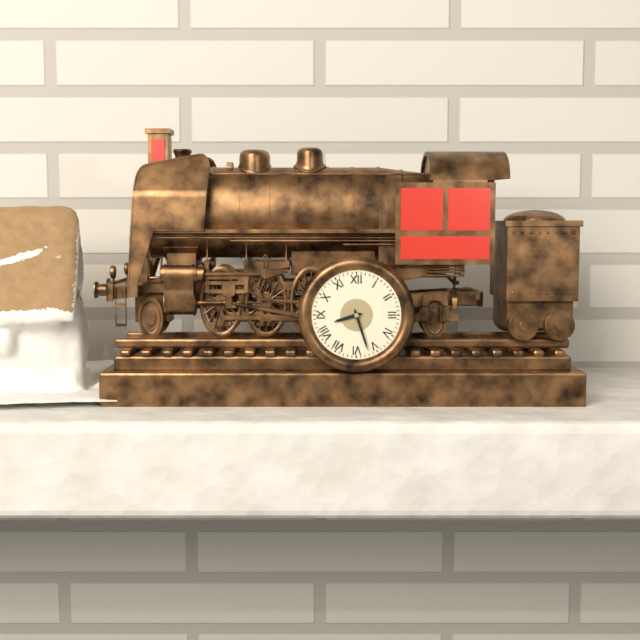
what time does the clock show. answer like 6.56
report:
8.27
